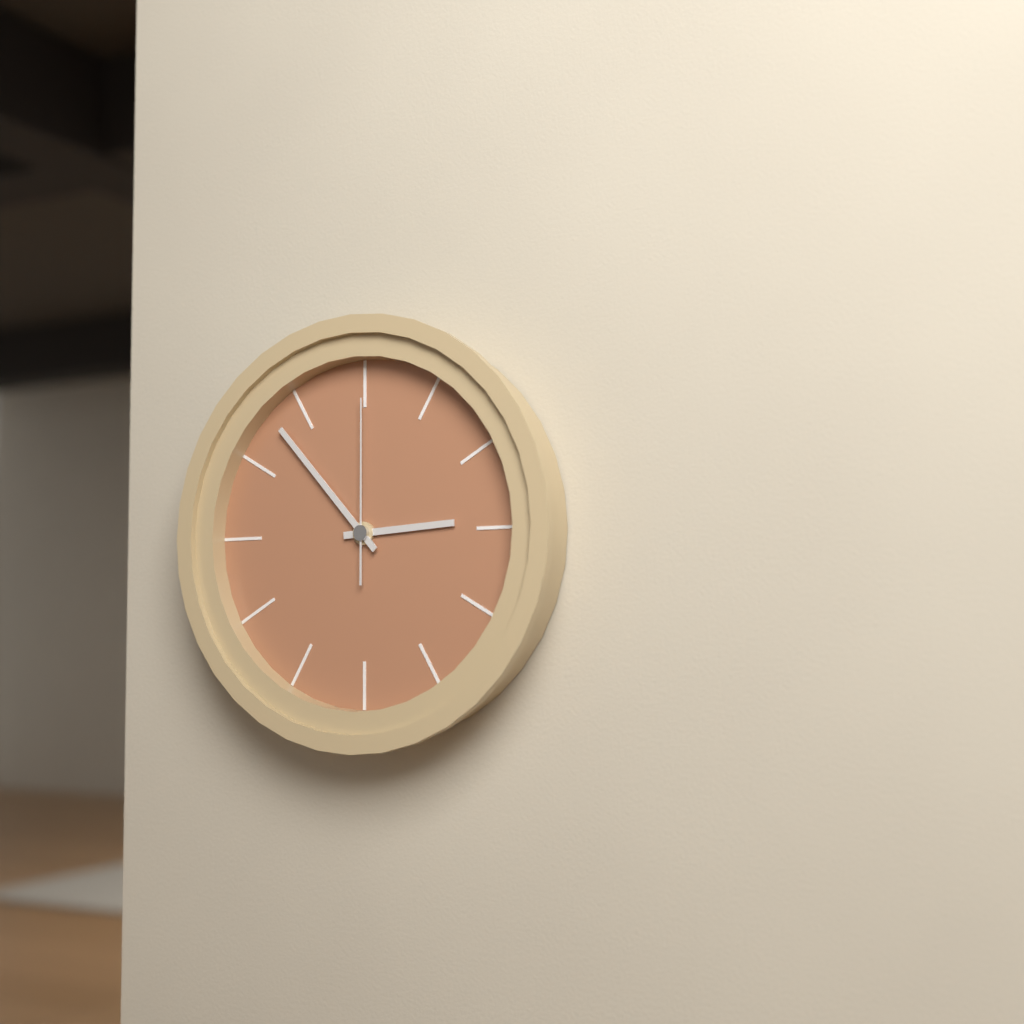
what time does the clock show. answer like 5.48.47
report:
2.53.00
